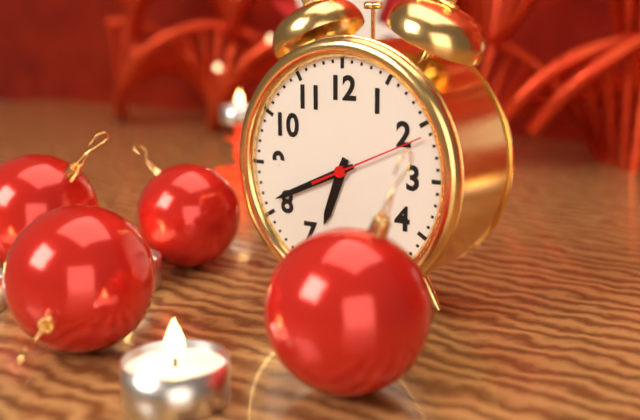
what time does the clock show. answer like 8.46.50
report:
6.41.11
